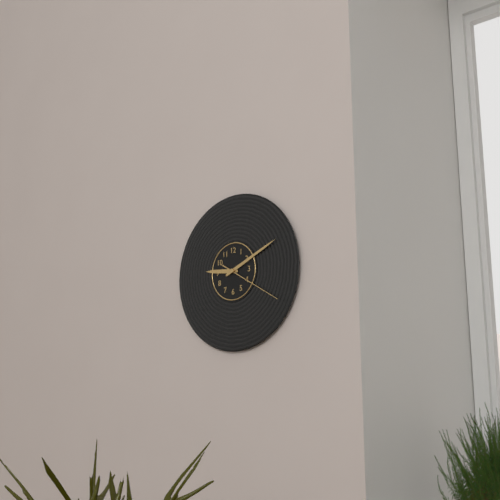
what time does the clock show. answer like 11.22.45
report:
9.11.20
